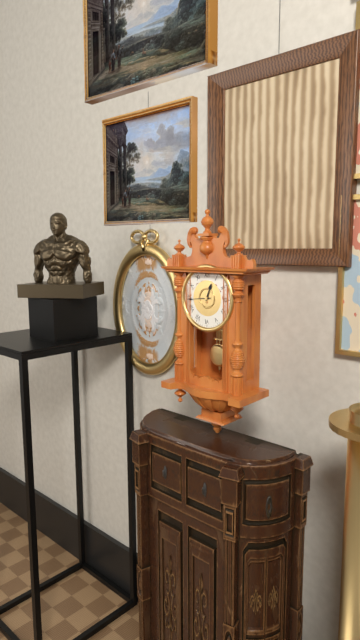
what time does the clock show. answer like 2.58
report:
12.44
